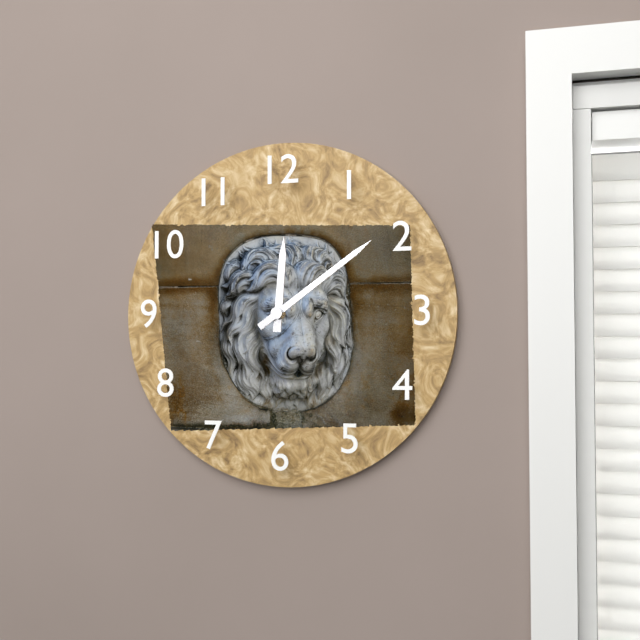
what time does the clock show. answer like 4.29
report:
12.09
